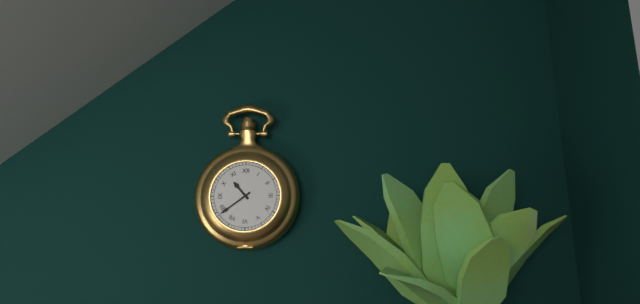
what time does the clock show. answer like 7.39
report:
10.39
